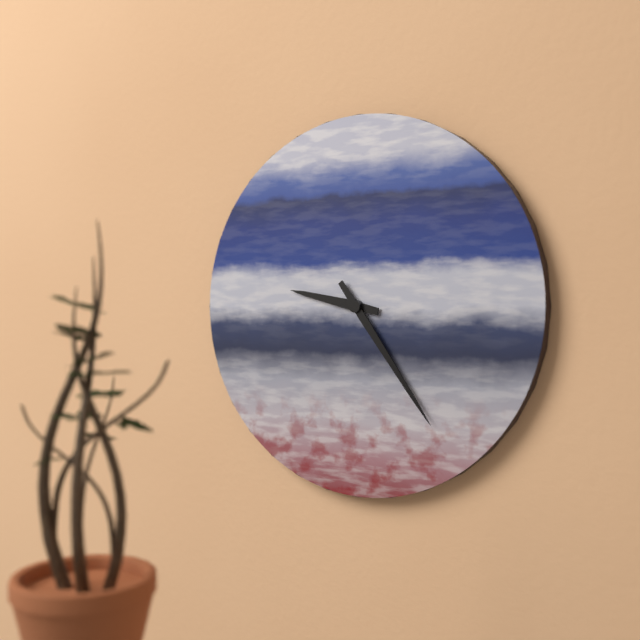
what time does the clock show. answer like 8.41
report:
9.24
